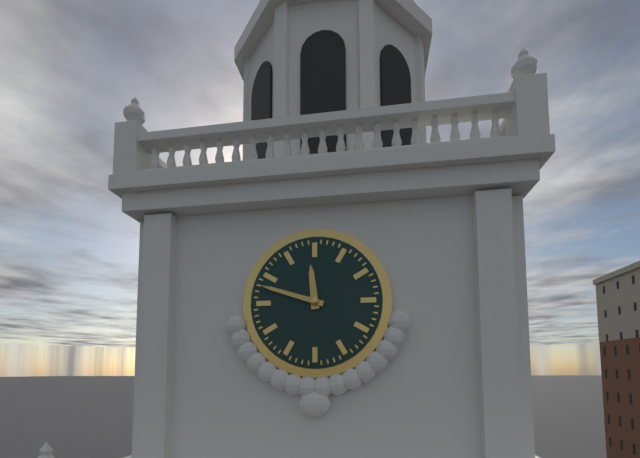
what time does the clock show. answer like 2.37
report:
11.48
